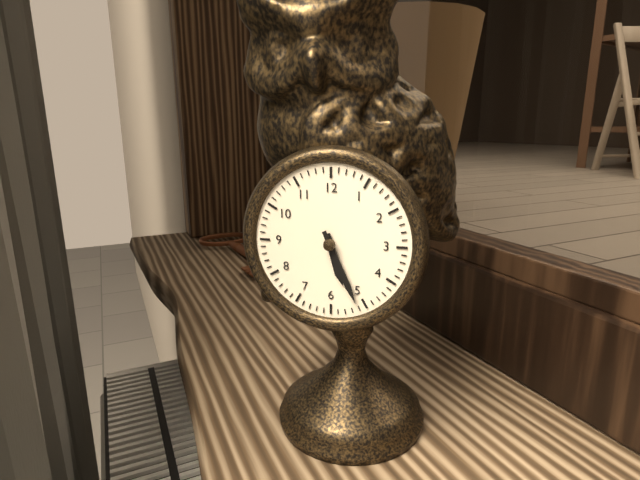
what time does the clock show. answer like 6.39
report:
5.26
